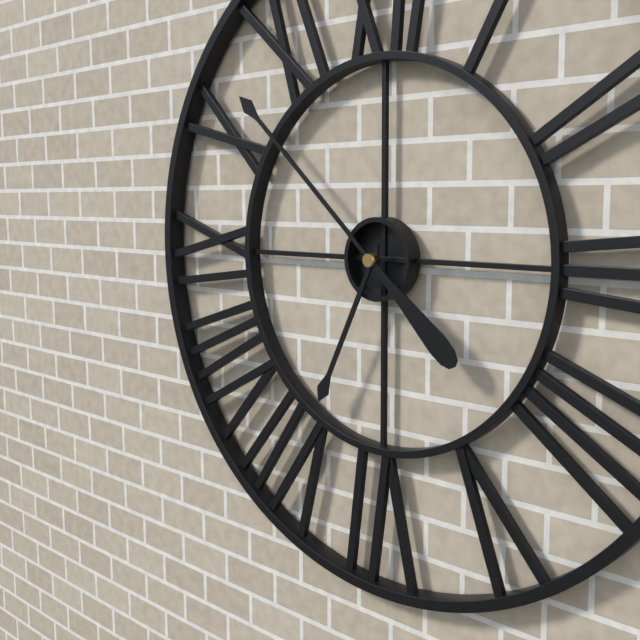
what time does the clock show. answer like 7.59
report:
6.52
